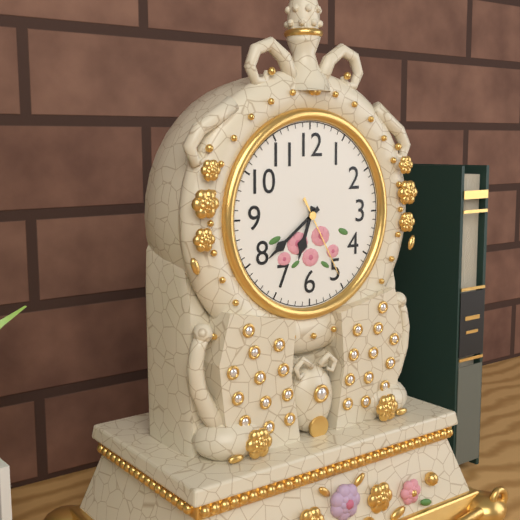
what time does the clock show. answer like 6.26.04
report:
6.39.25
